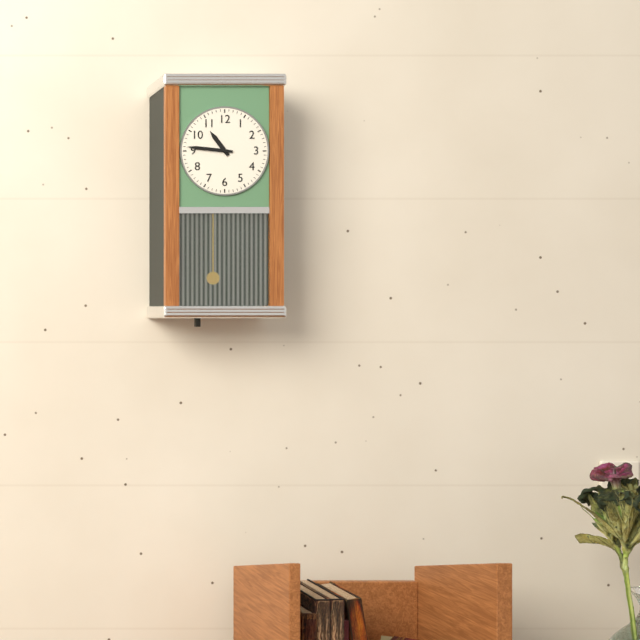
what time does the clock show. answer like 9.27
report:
10.46
